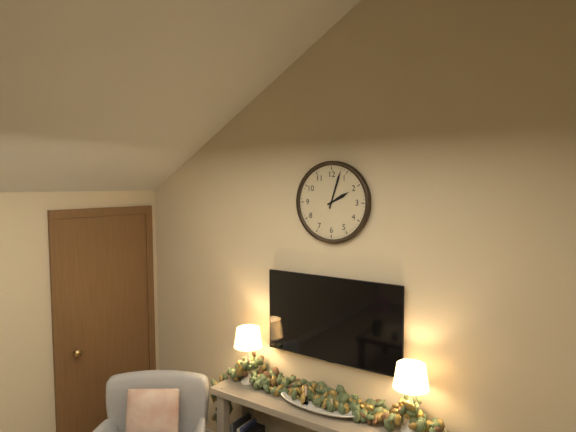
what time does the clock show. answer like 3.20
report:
2.03
